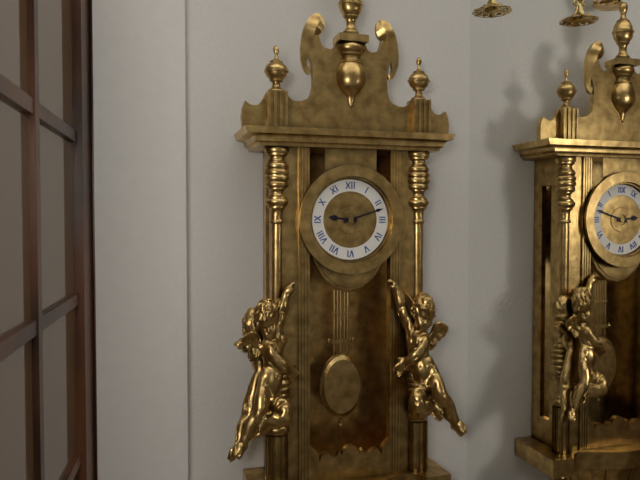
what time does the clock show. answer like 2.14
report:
9.12
